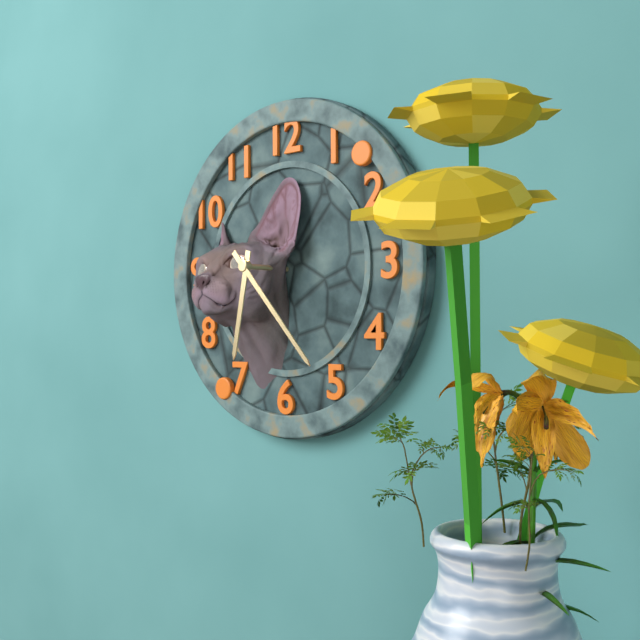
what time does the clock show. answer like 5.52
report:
6.23
